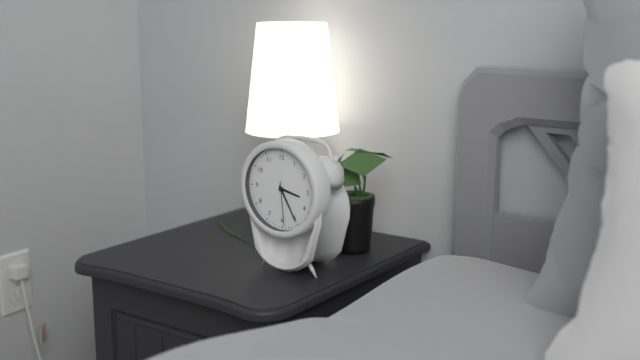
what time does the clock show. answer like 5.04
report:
3.25
